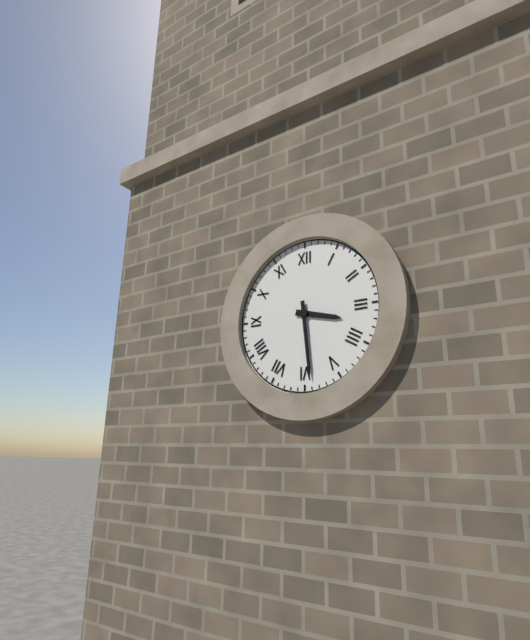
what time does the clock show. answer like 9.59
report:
3.29
